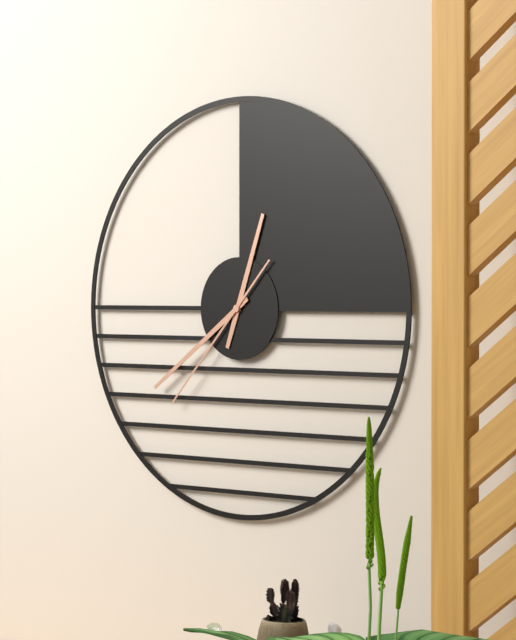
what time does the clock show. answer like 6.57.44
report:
12.39.37
